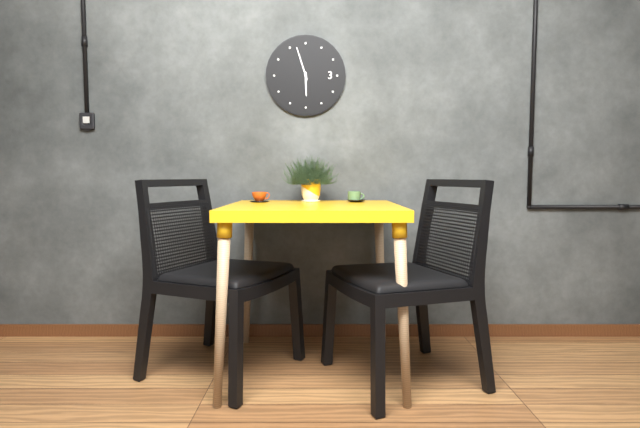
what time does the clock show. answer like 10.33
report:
5.57
